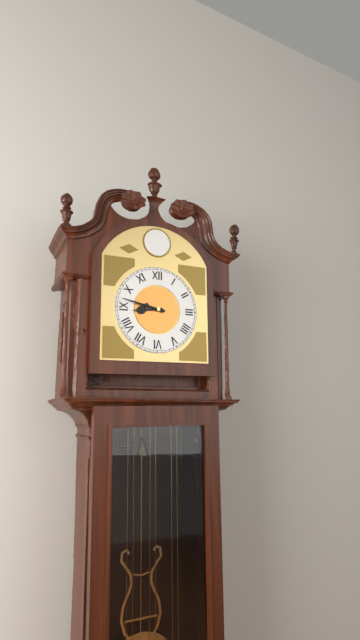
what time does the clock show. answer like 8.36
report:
8.47
